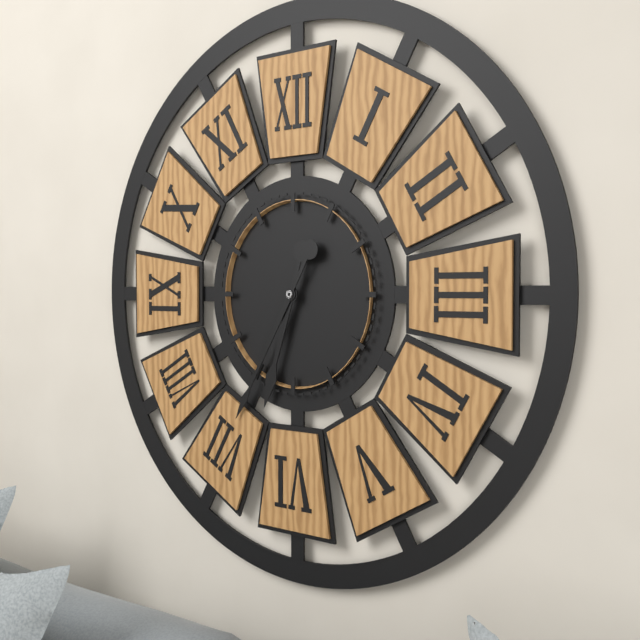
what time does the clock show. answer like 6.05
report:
6.35
